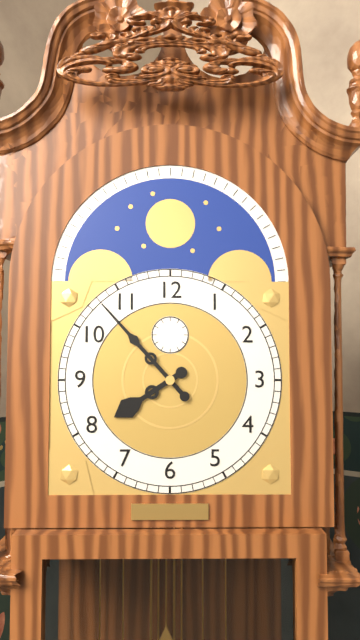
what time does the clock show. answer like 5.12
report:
7.53
